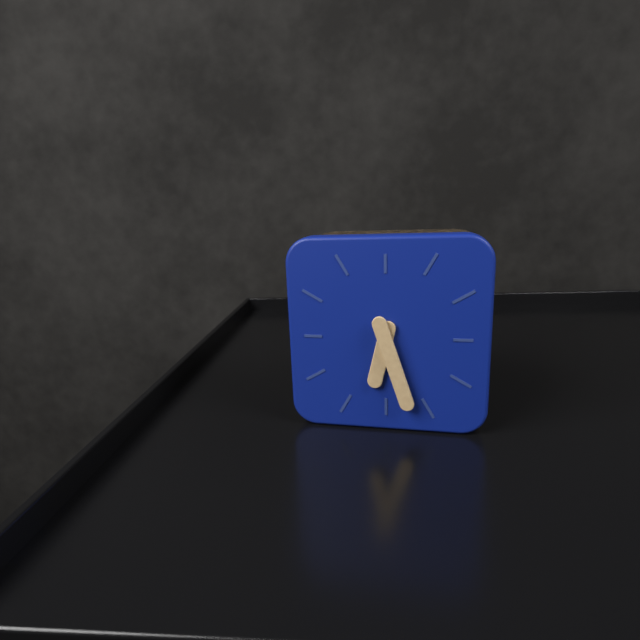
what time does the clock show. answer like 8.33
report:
6.27
